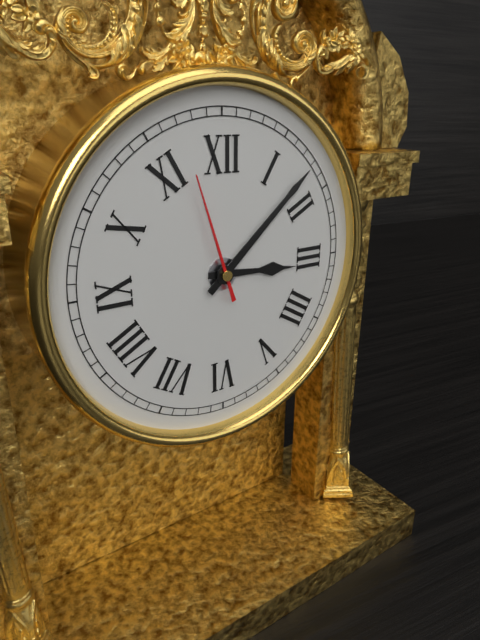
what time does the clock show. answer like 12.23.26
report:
3.08.57
